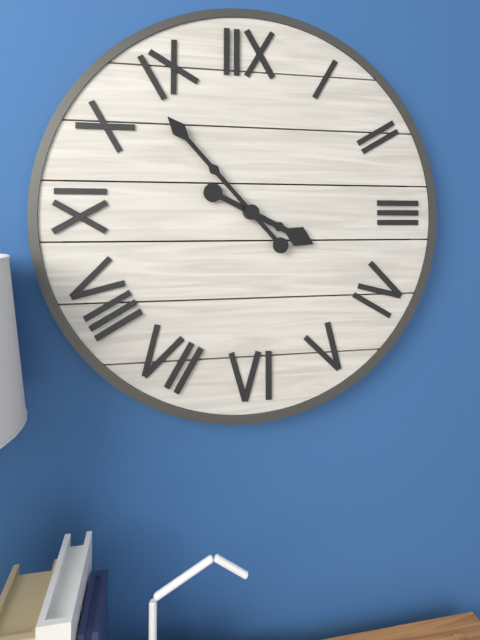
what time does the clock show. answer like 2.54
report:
3.53
